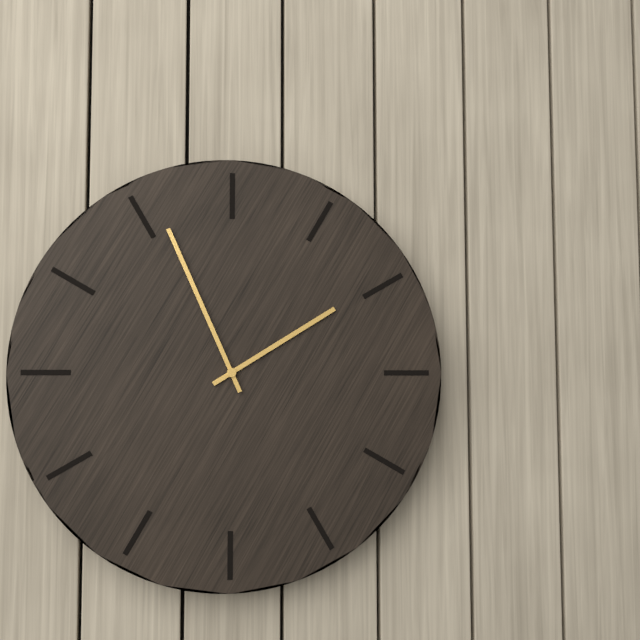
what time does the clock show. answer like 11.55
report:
1.56
